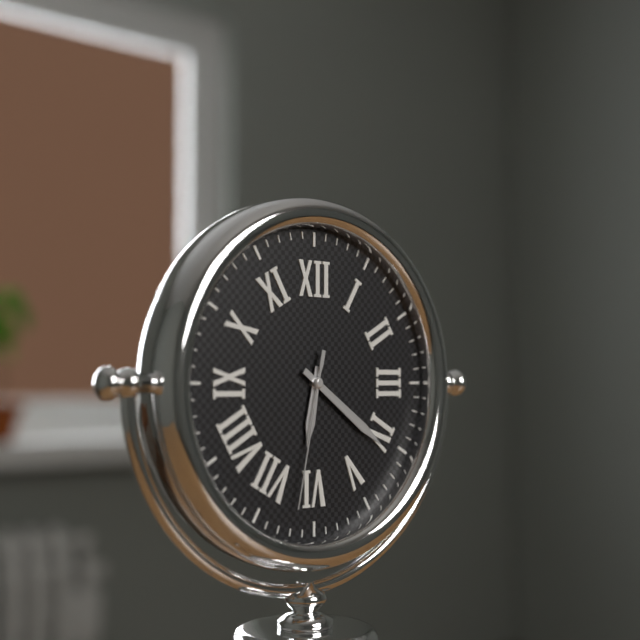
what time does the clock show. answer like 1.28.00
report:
6.21.32
